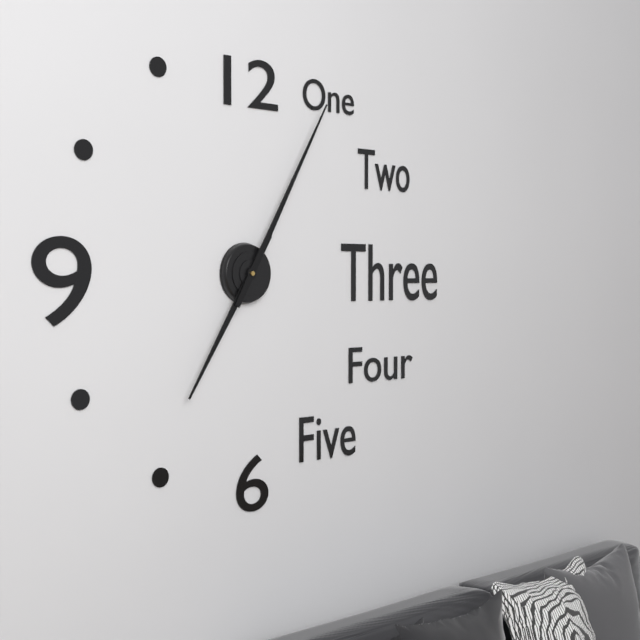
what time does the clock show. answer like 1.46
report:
7.05
